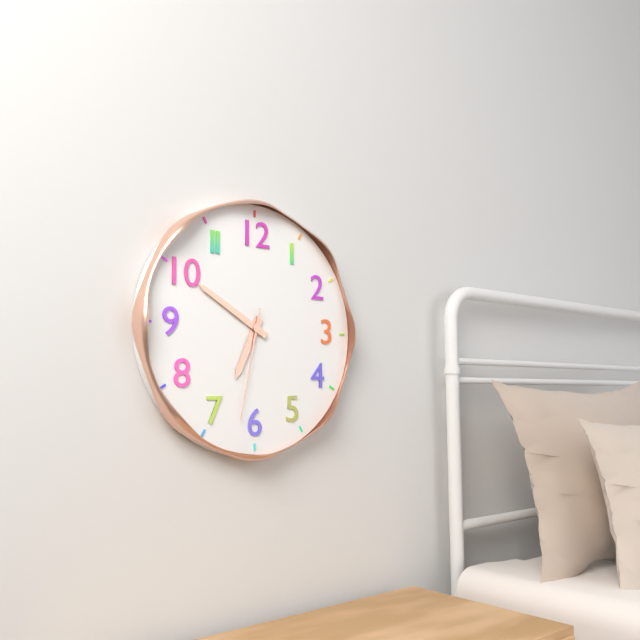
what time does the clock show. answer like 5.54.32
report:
6.50.32
